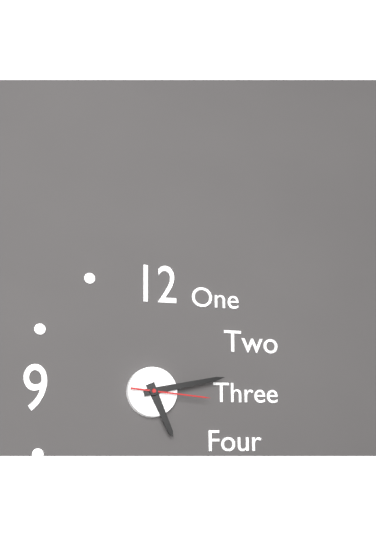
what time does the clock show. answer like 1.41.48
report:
5.13.16
